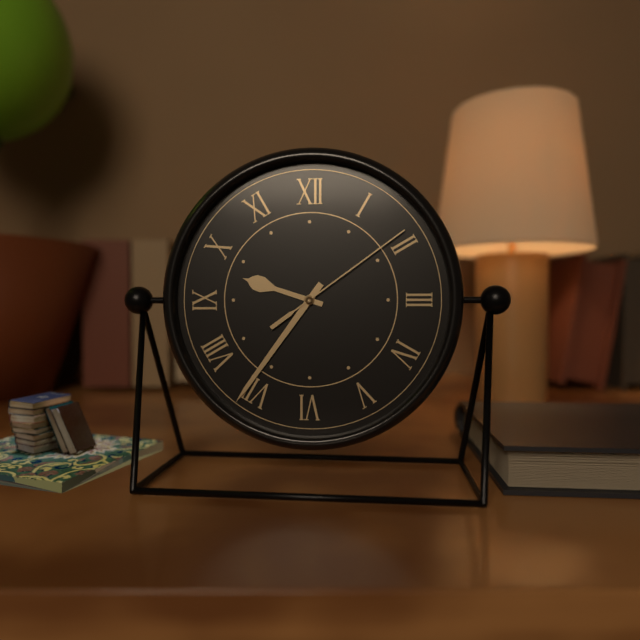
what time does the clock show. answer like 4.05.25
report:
9.36.09
